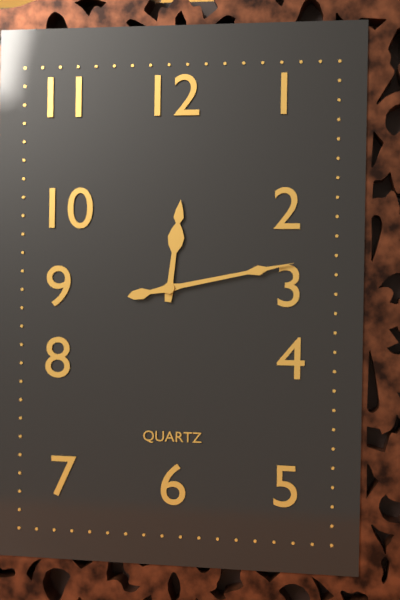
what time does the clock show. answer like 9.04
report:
12.13
